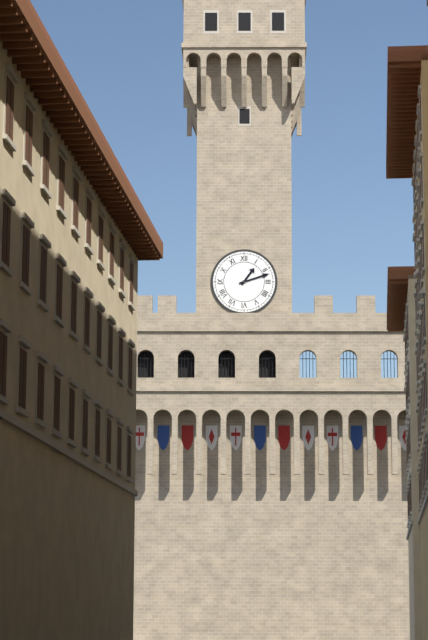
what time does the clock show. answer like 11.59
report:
1.12
